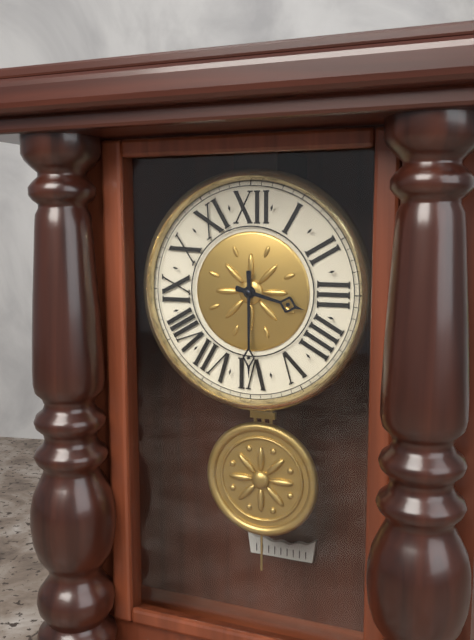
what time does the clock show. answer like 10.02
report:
3.30
